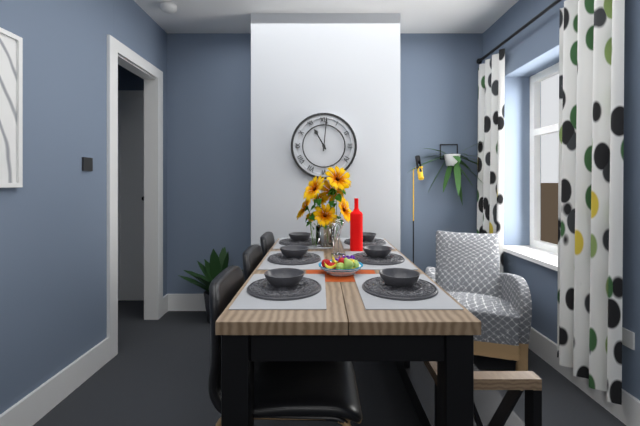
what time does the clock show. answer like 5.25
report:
11.01
